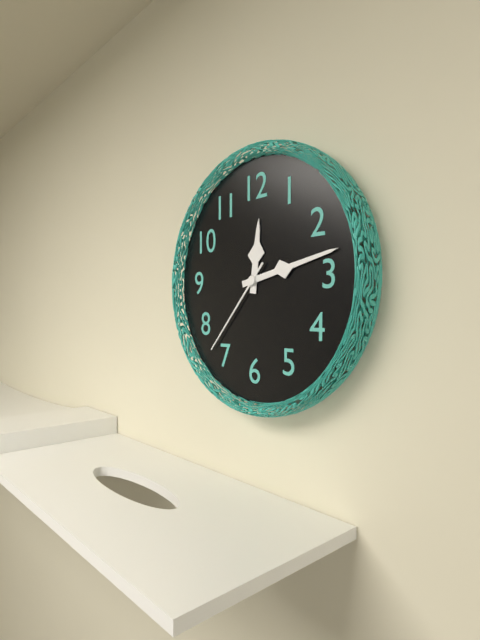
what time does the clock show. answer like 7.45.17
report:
12.13.37
